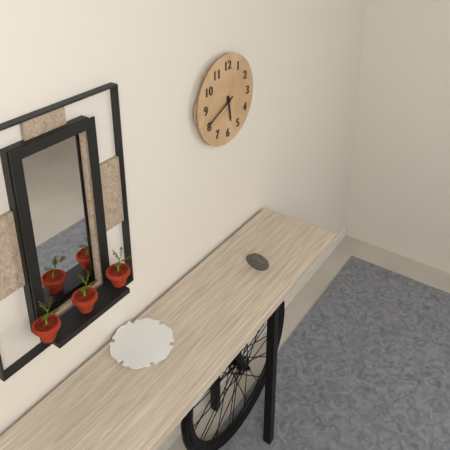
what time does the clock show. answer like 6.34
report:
5.41
